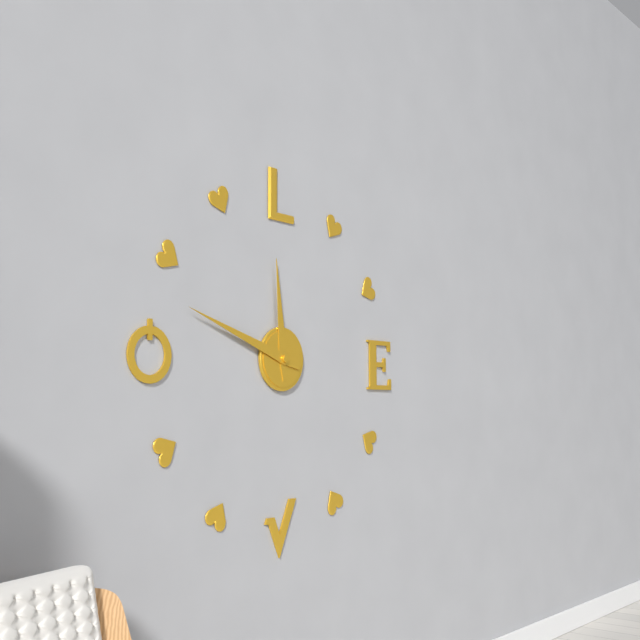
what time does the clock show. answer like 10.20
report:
11.48
